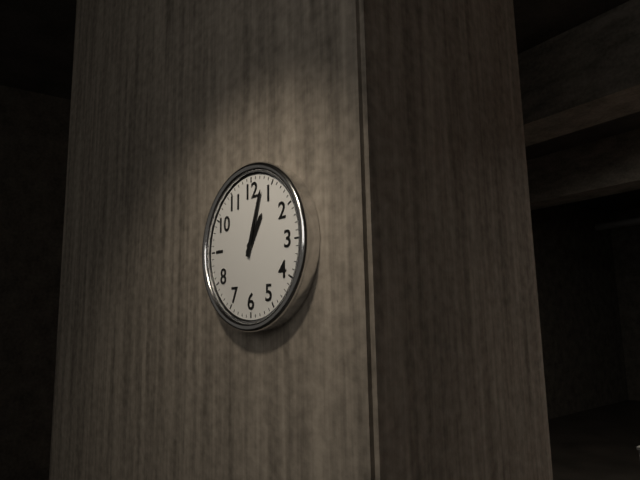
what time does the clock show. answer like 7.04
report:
1.03
